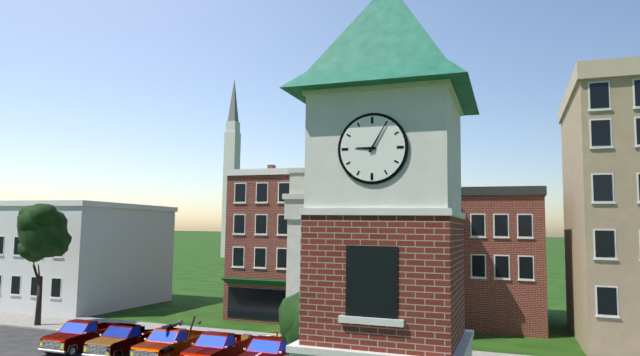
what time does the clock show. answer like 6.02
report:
9.05
